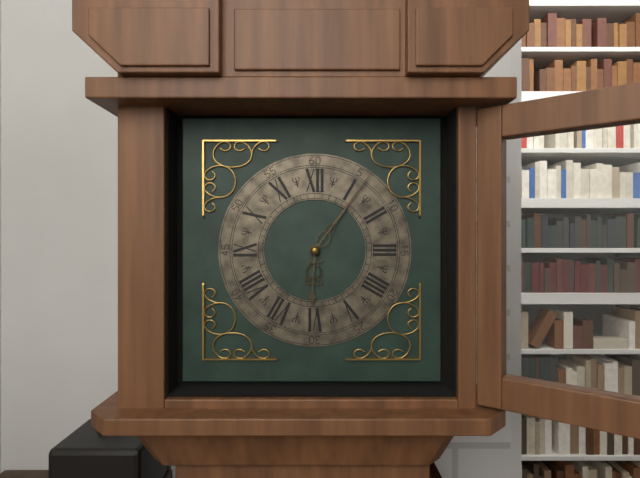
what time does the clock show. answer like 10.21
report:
6.06
